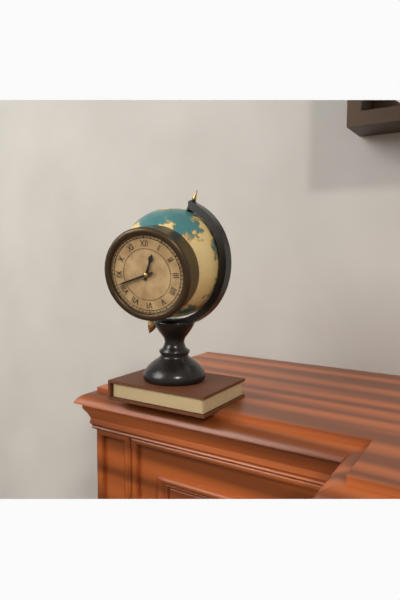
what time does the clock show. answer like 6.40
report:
12.42
